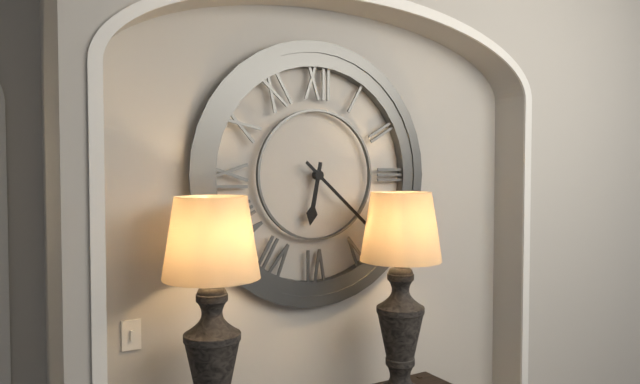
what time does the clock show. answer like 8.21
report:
6.22
